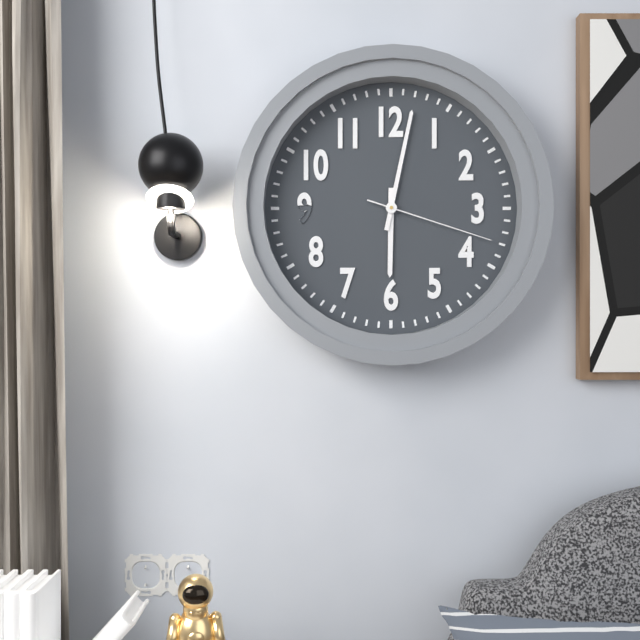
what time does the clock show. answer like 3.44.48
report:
6.02.18
